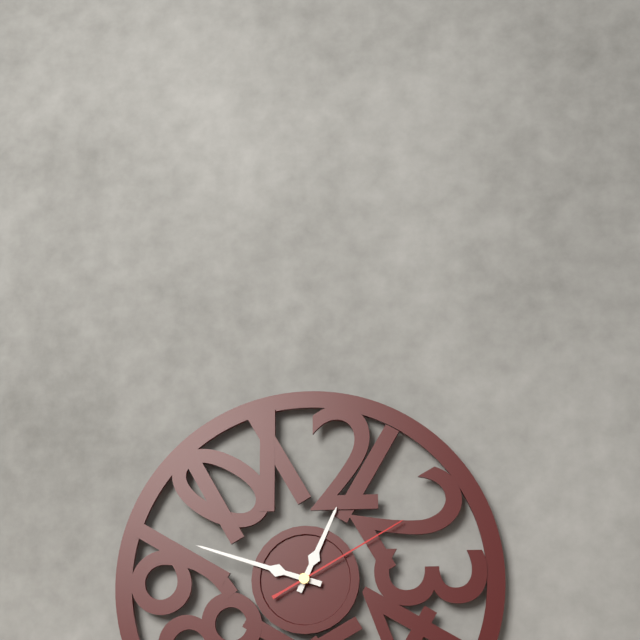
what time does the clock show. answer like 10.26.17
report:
12.48.10
